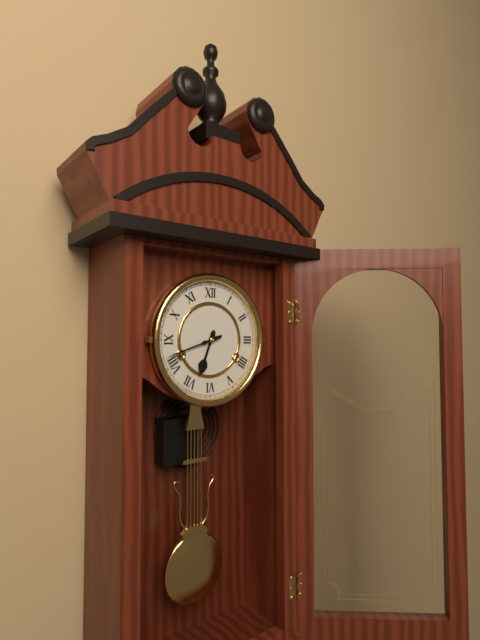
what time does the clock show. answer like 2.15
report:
6.42
